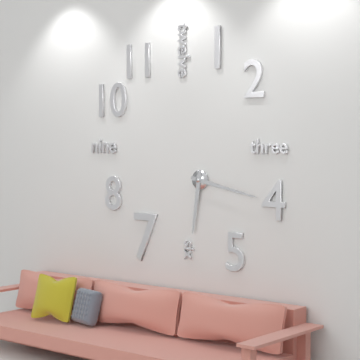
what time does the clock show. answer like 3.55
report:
6.17
